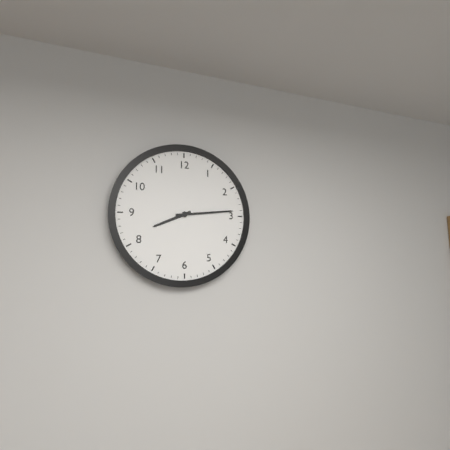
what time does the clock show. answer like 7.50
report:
8.14
